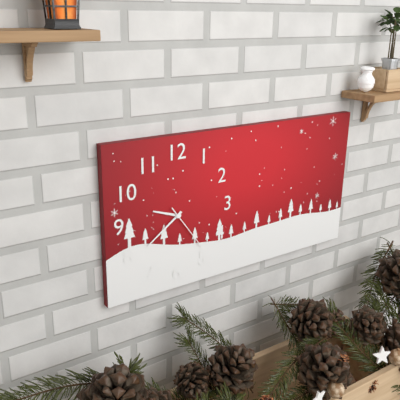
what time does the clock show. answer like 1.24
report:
9.39
